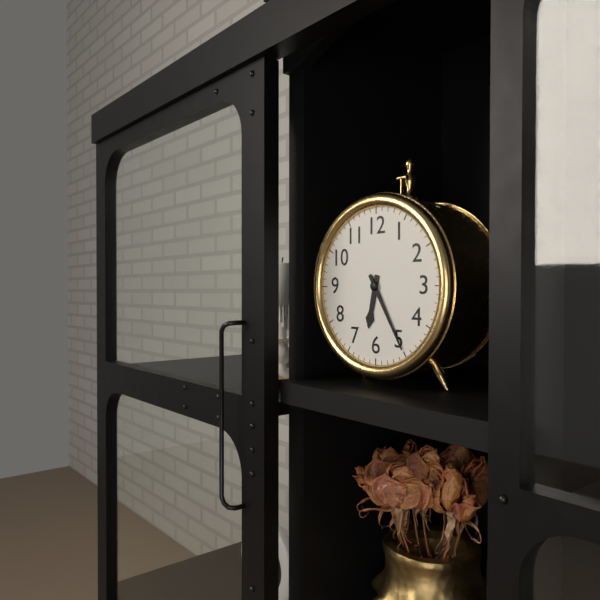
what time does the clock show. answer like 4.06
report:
6.25
